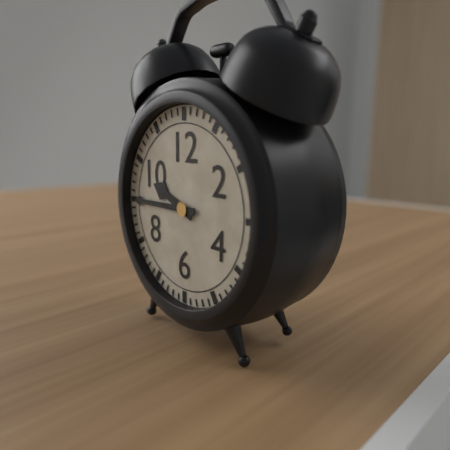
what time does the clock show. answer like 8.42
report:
9.45
